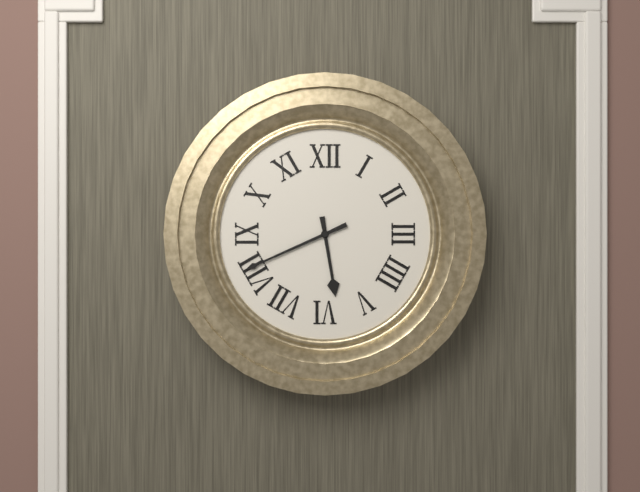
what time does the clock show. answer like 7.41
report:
5.41
